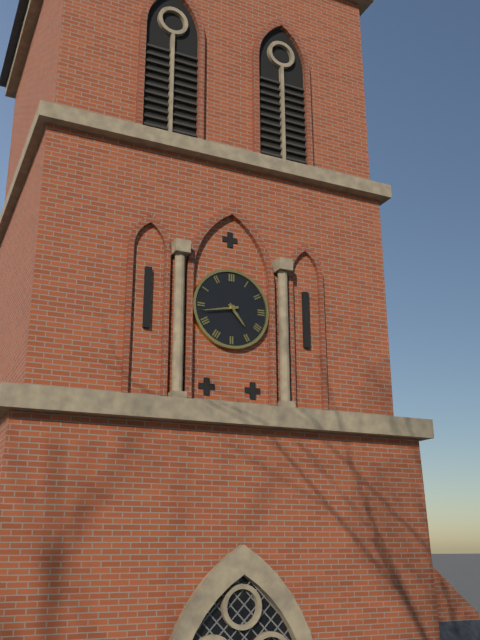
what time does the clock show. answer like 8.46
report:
4.43
